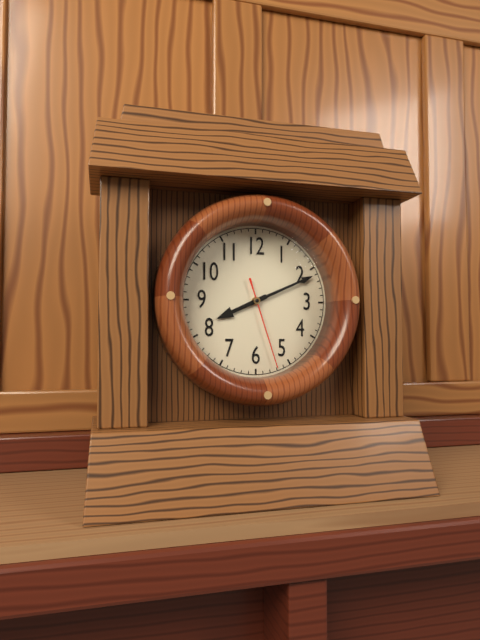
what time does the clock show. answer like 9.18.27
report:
8.11.27
